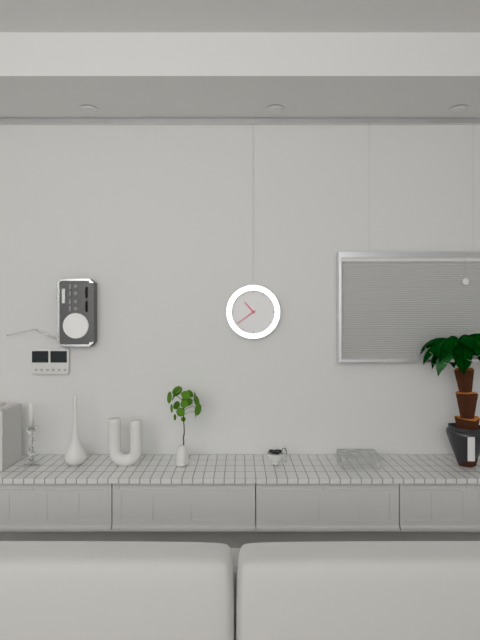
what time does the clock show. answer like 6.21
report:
10.39
